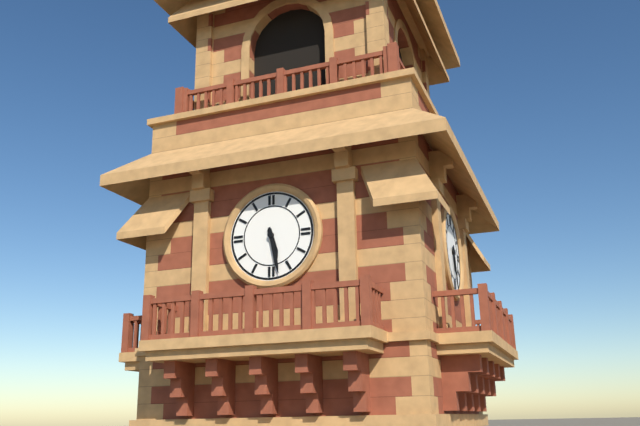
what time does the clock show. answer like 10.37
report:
5.28
